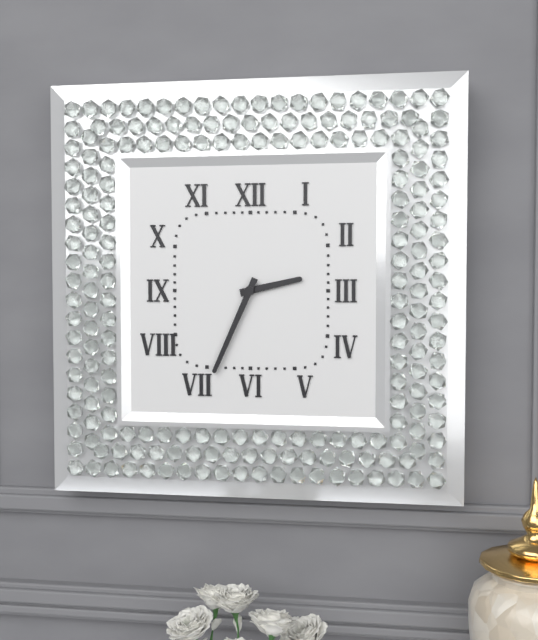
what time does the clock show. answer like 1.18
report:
2.34
